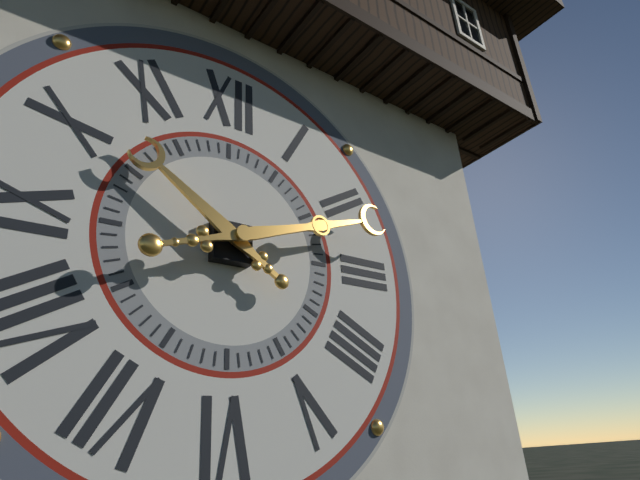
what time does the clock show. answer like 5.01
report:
10.12
